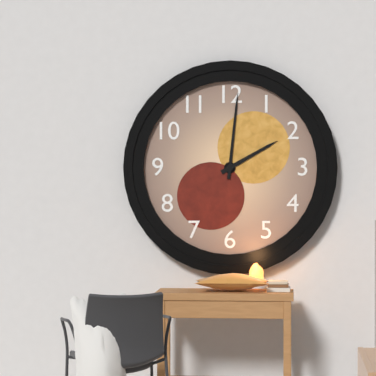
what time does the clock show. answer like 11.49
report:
2.01
